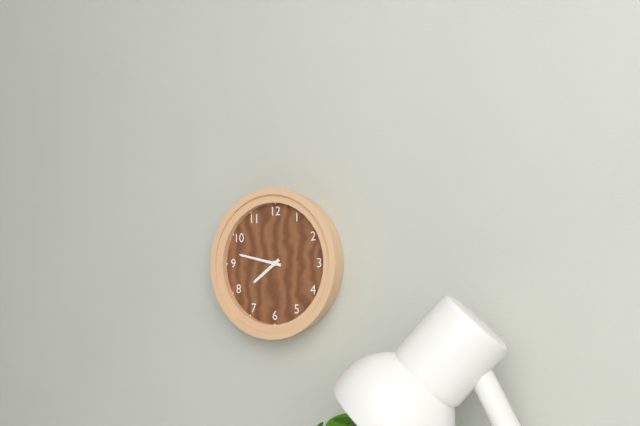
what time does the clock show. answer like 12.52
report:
7.47
